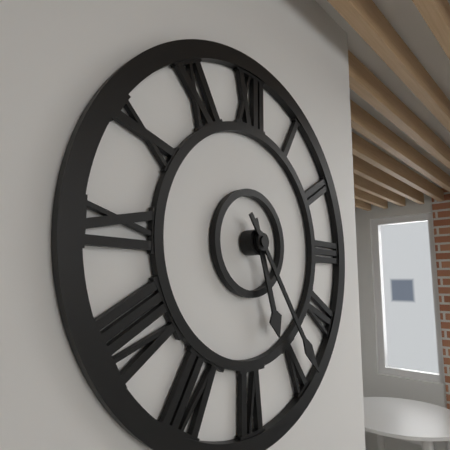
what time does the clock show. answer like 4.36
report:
5.24
